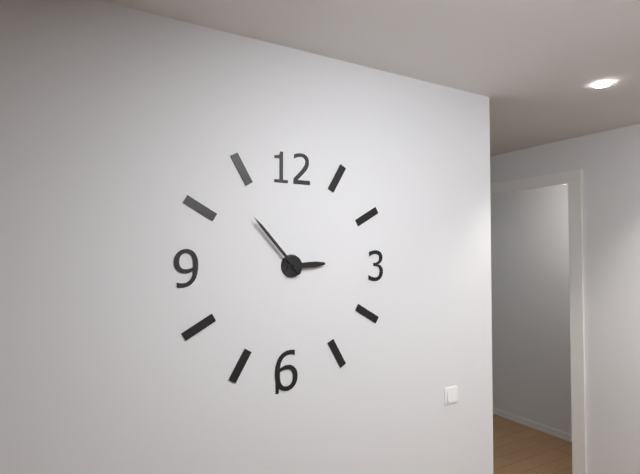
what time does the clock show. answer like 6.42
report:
2.53
